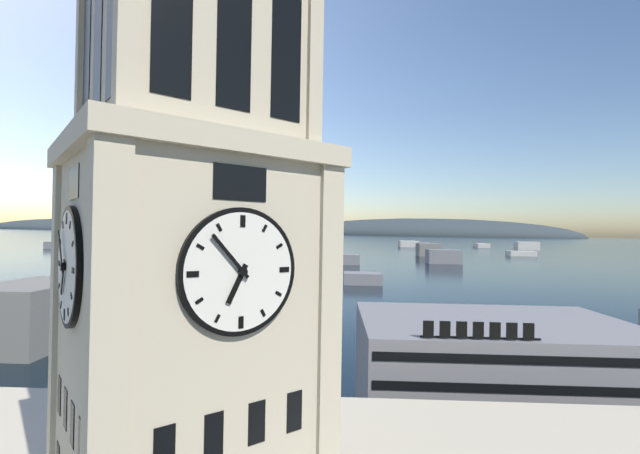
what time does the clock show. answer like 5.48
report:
6.53
